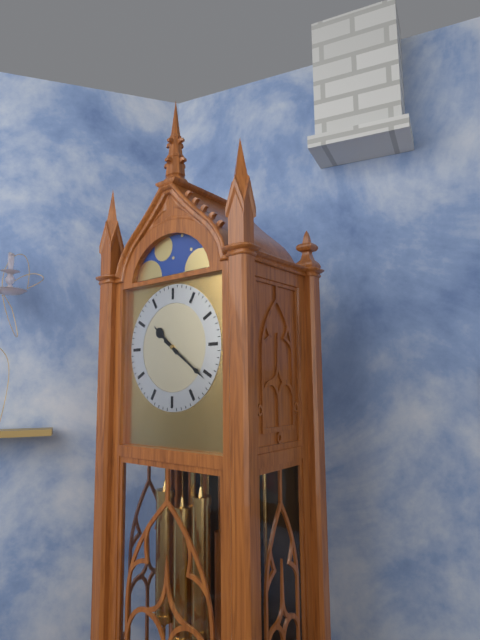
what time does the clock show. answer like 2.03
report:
10.21
